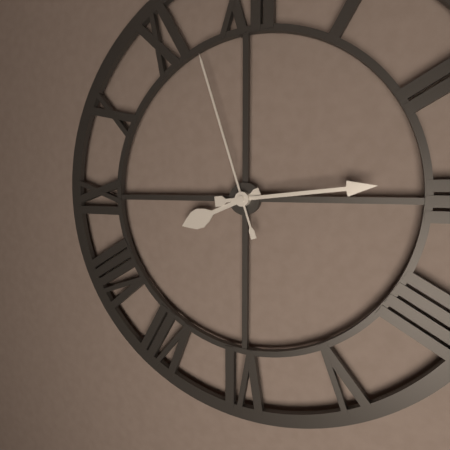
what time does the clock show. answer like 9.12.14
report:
8.14.57
